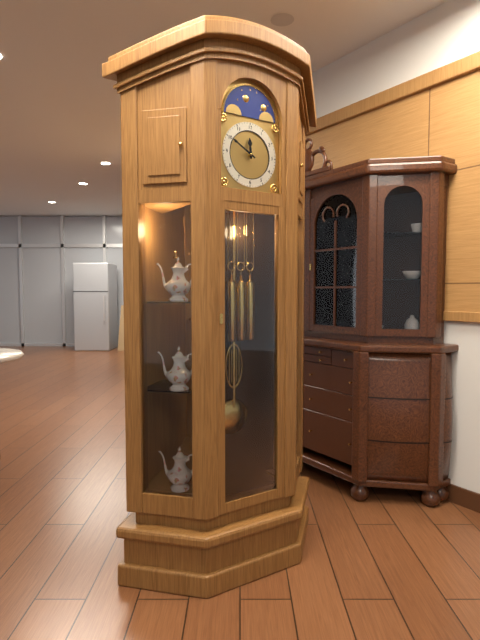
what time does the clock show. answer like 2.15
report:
11.50
